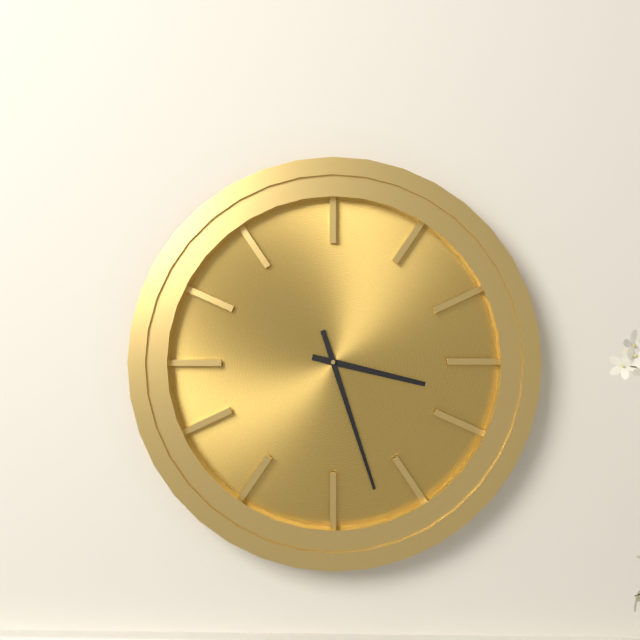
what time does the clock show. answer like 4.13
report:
3.27
